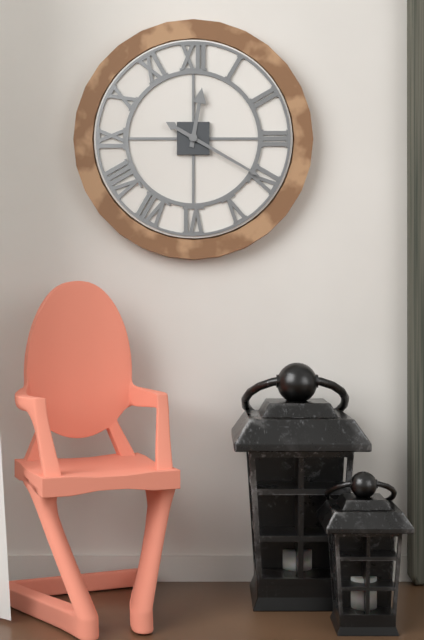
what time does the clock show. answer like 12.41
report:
12.20
